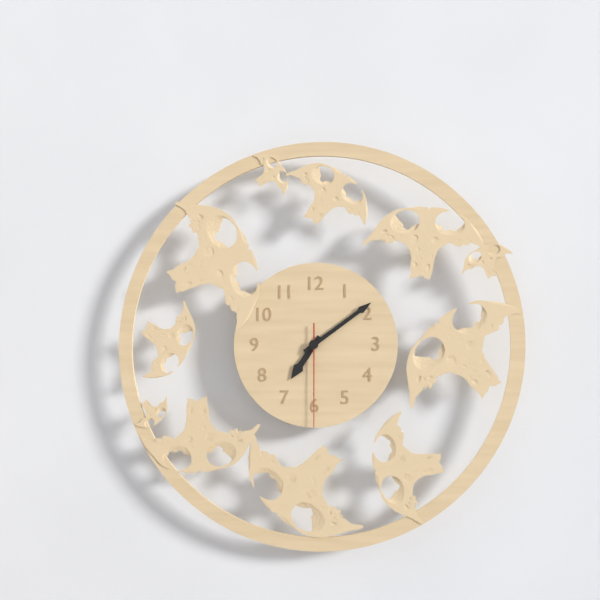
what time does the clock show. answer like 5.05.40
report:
7.09.30
